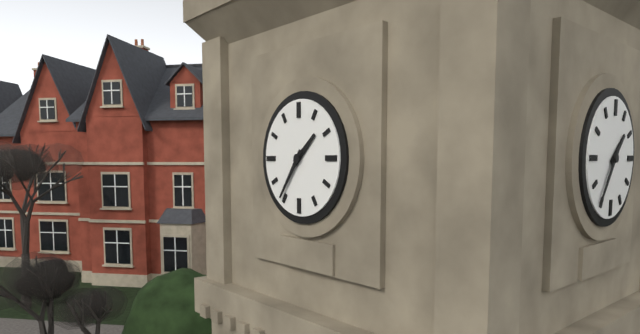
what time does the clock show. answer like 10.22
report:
1.36
